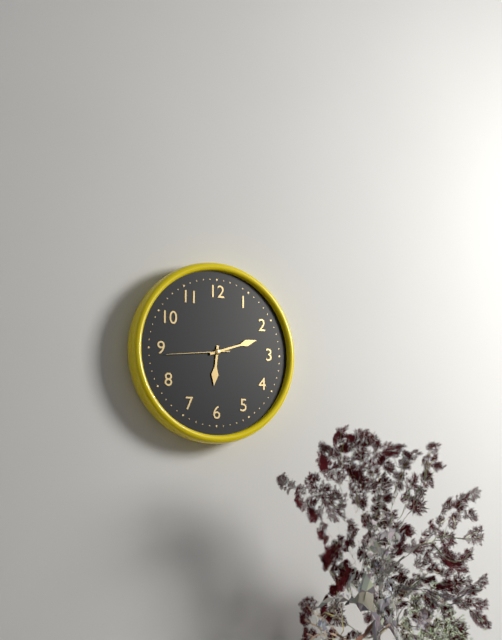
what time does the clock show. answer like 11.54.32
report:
6.12.44
